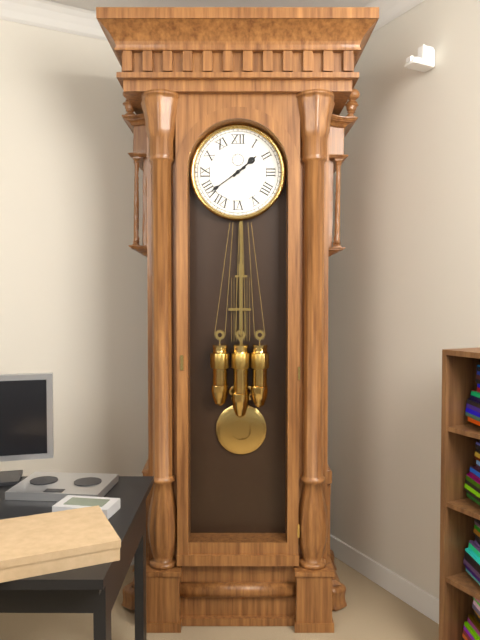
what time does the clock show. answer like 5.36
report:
1.39
